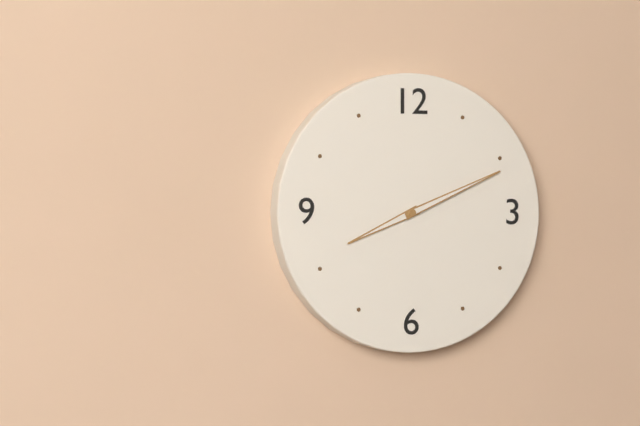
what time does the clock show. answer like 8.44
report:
8.11
